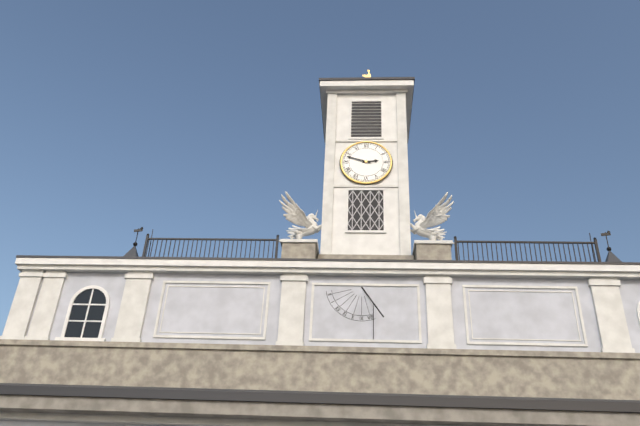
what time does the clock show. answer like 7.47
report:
2.48
